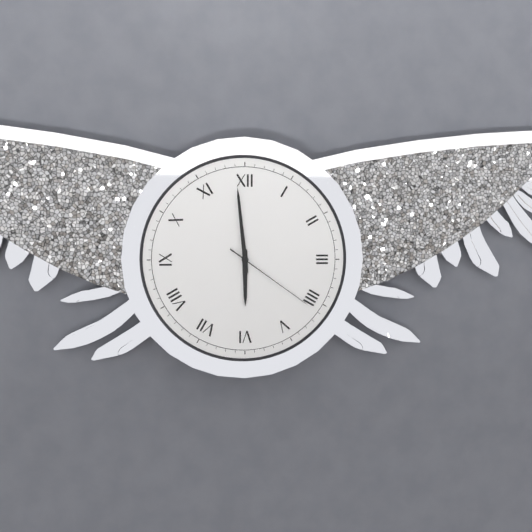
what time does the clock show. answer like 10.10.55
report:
5.59.21
